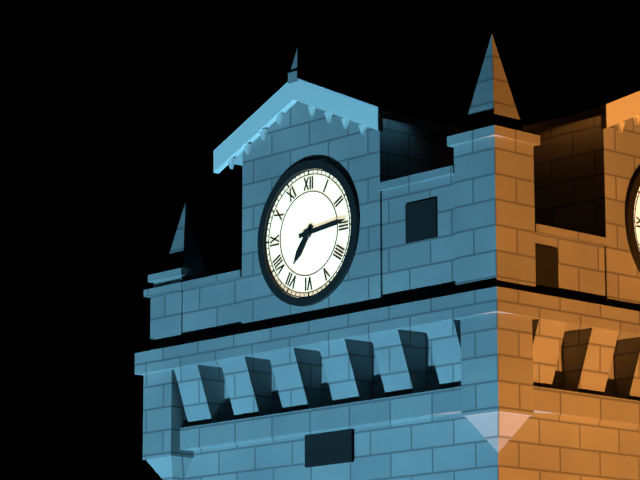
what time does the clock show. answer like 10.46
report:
7.14
